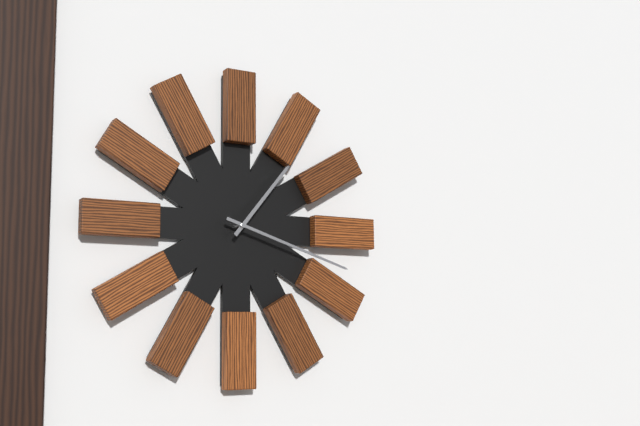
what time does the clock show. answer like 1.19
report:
1.18
